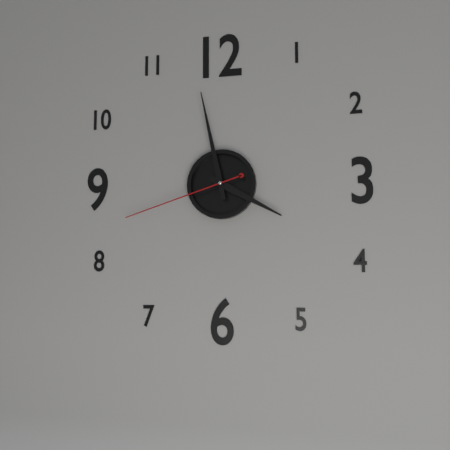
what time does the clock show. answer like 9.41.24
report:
3.58.42
